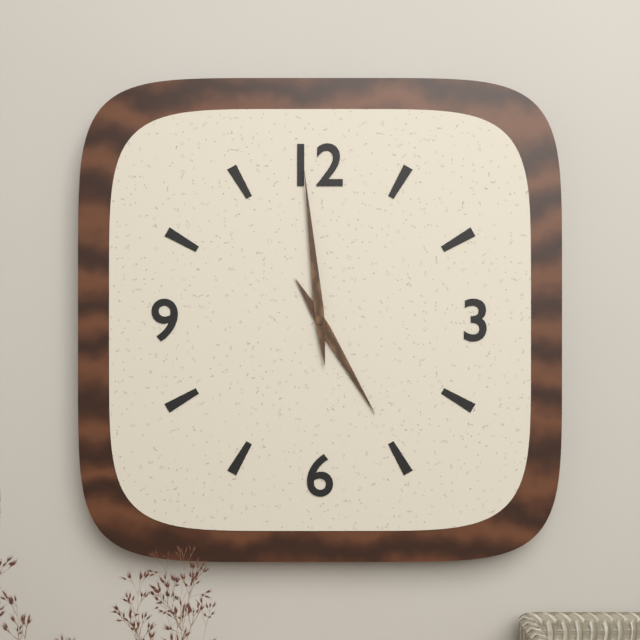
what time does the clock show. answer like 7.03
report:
4.59
